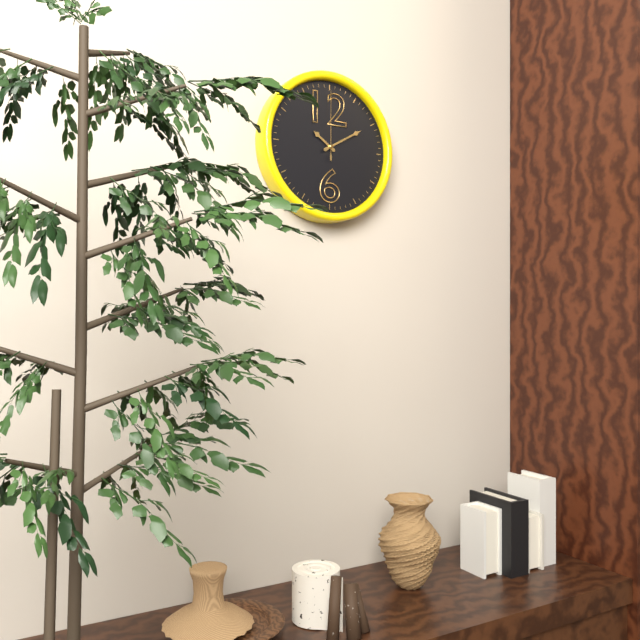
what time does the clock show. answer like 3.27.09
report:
10.10.00
